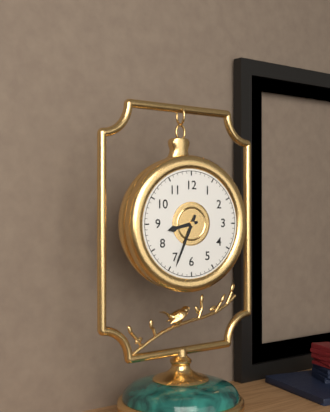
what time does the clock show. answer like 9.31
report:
8.34
